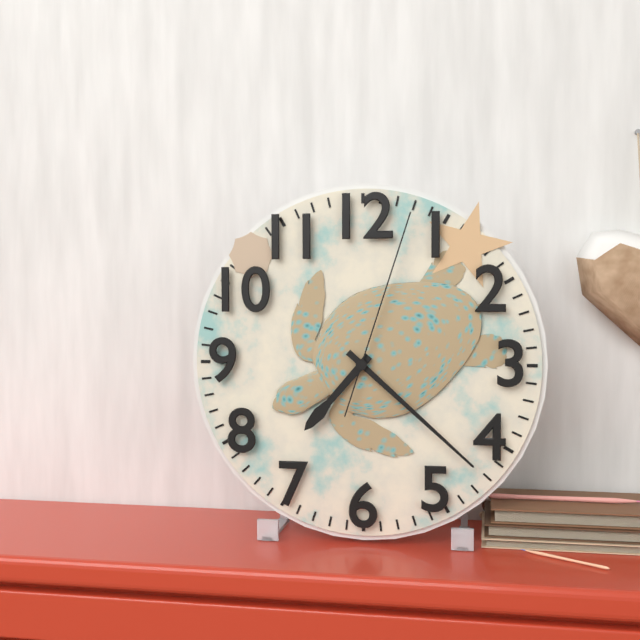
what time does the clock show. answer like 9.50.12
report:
7.22.03
